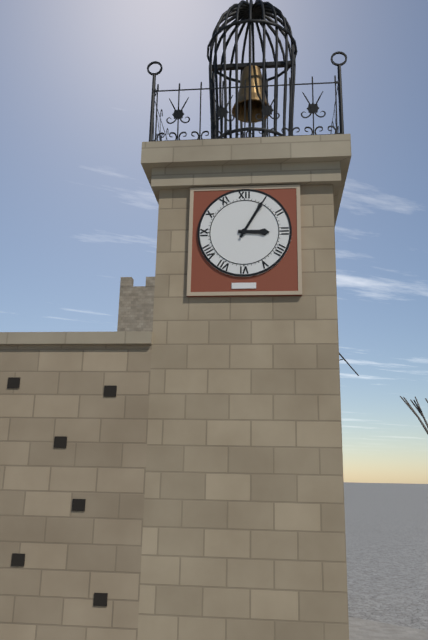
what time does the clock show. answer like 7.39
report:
3.05
